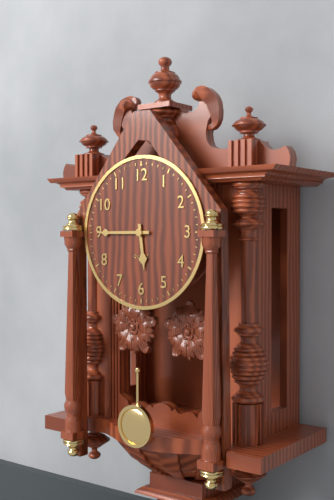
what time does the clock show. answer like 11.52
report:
5.45
